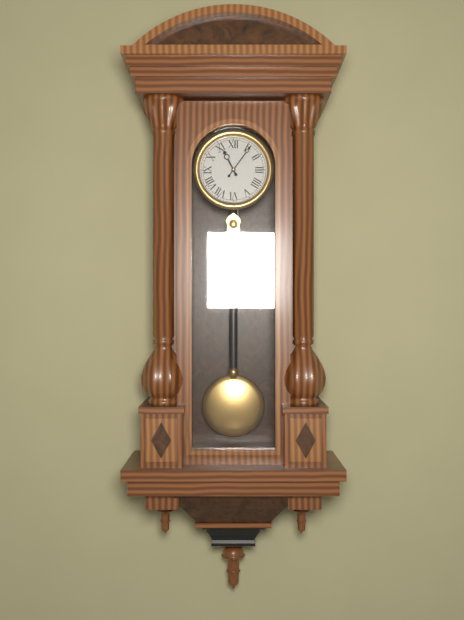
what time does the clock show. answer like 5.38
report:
11.06
